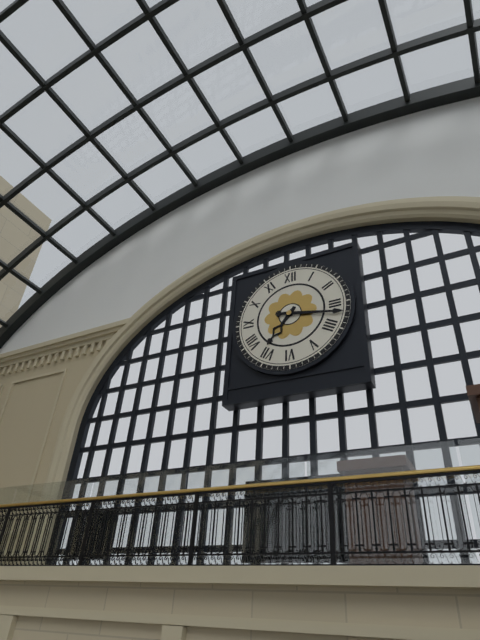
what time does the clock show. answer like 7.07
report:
7.17
